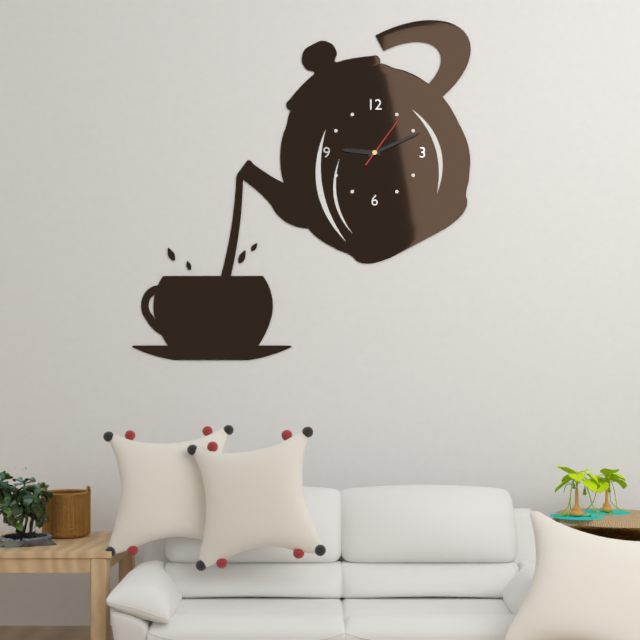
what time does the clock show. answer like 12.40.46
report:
9.11.06
